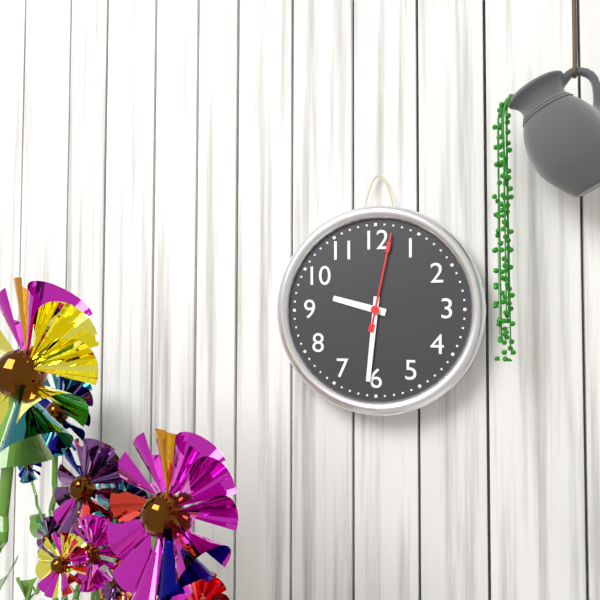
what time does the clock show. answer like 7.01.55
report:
9.31.02
